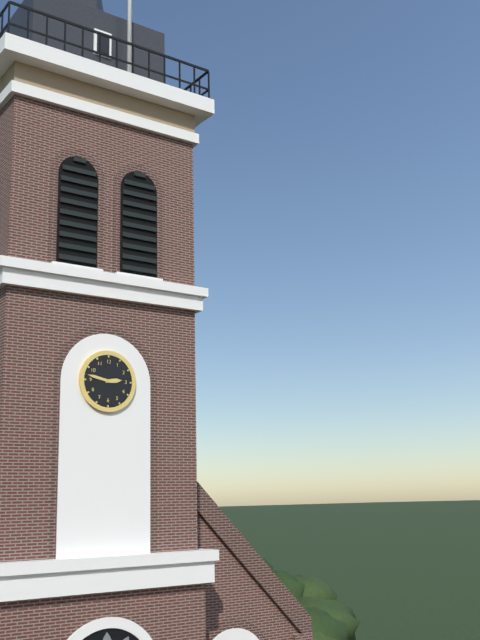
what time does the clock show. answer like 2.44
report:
2.47
